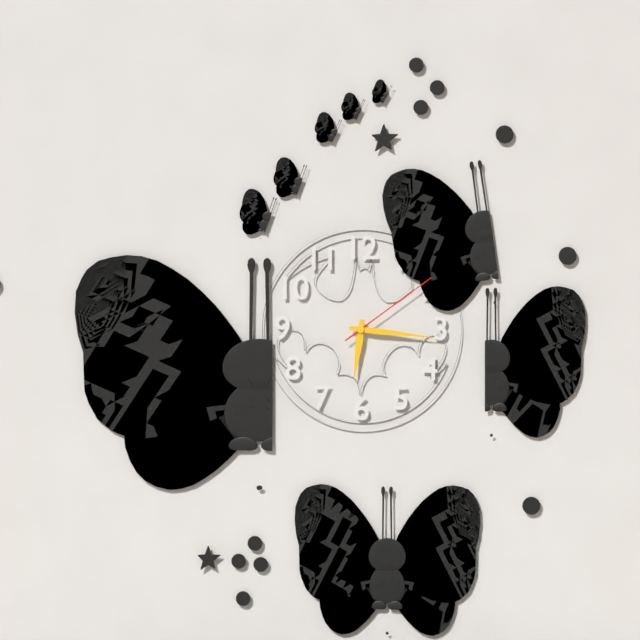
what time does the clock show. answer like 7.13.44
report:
6.16.09
